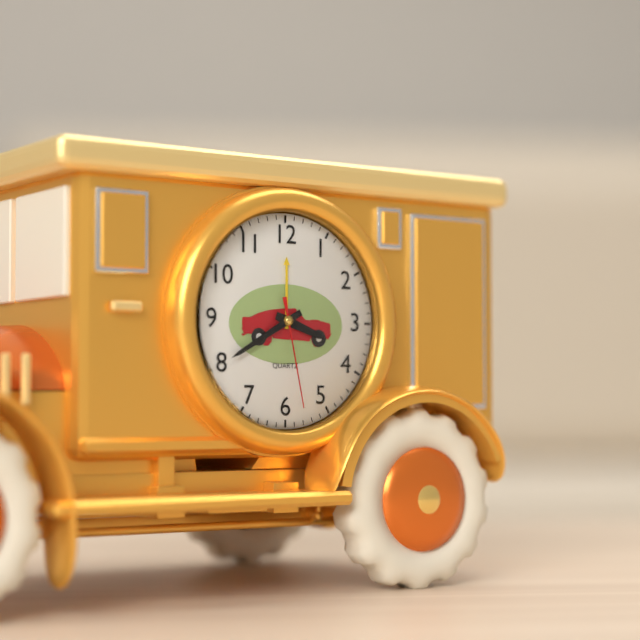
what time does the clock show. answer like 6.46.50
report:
3.40.28
